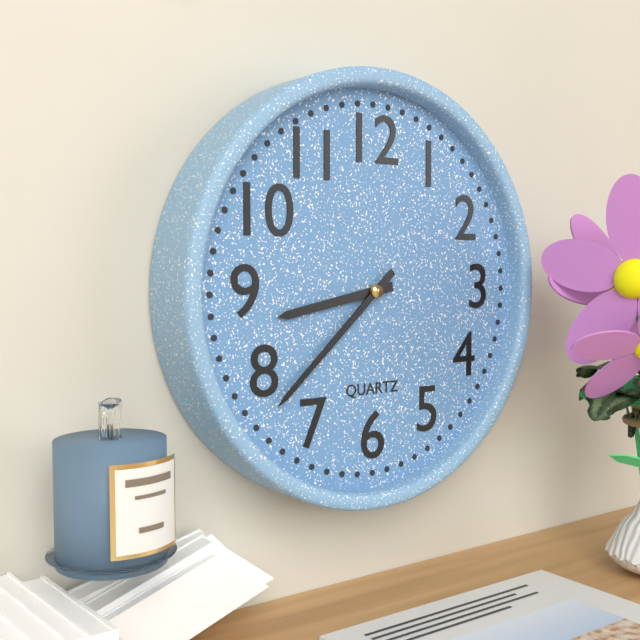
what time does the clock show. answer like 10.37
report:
8.38
